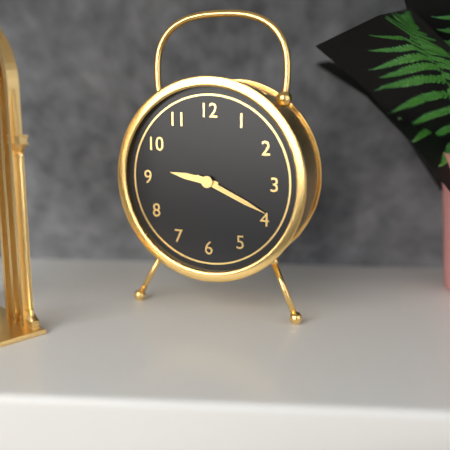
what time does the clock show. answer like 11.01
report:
9.19
